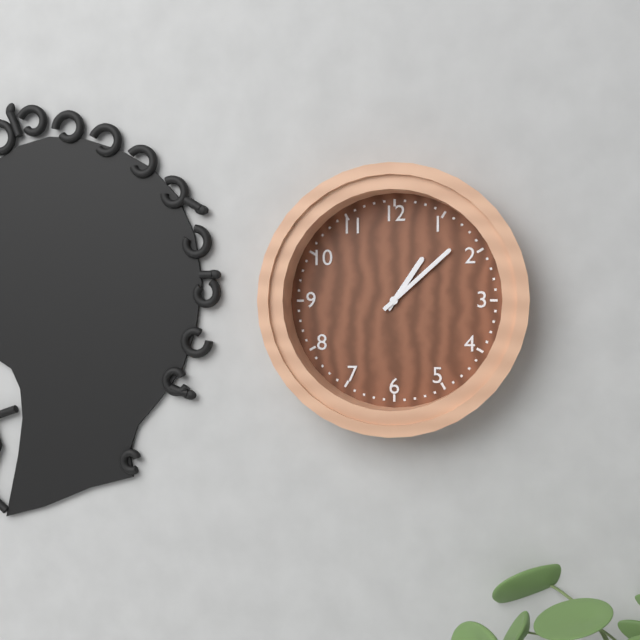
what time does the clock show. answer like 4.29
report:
1.08
